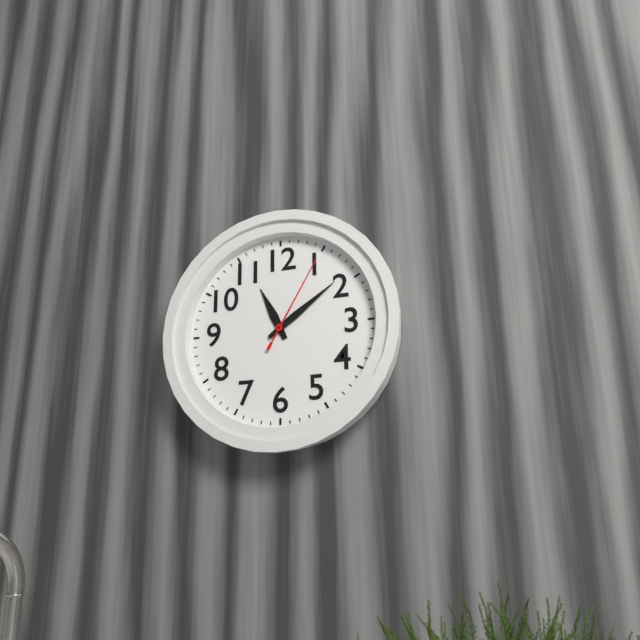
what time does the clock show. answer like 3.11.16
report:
11.09.05
